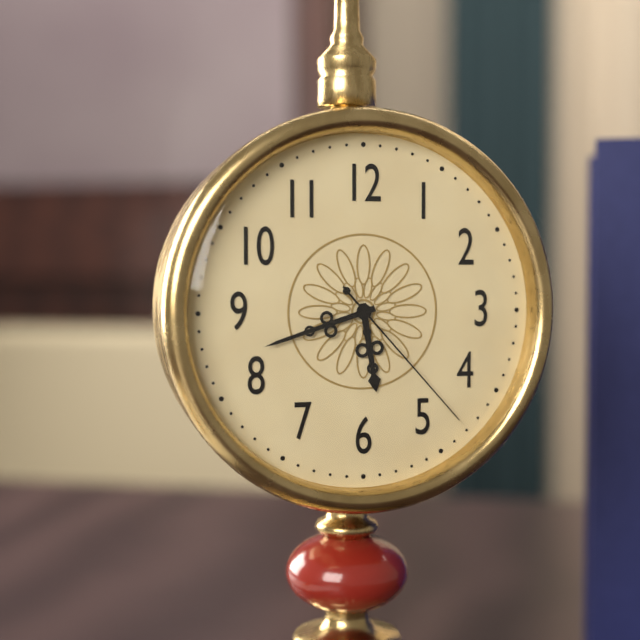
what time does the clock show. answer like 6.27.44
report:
5.42.23
